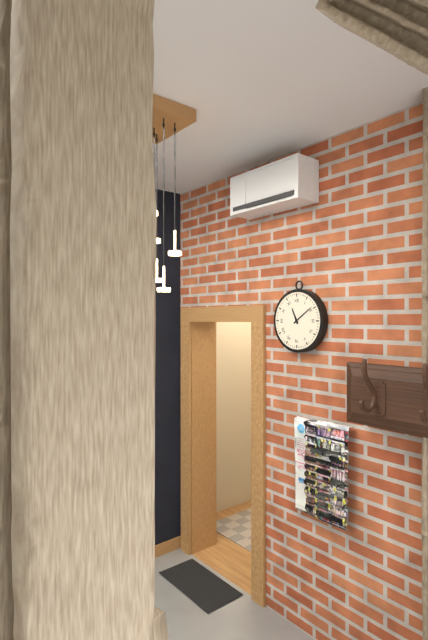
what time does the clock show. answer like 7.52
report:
11.09
